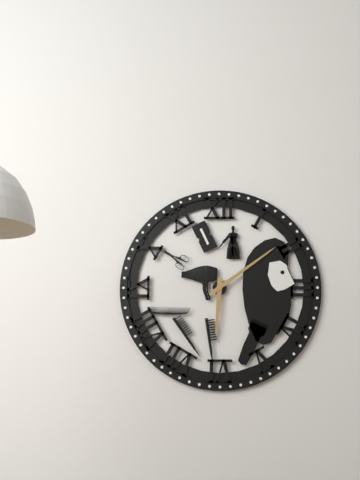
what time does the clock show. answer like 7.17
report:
6.09
